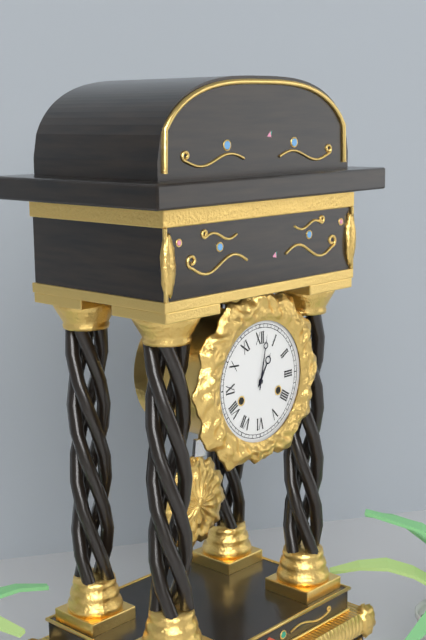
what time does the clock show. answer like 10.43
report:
1.02
